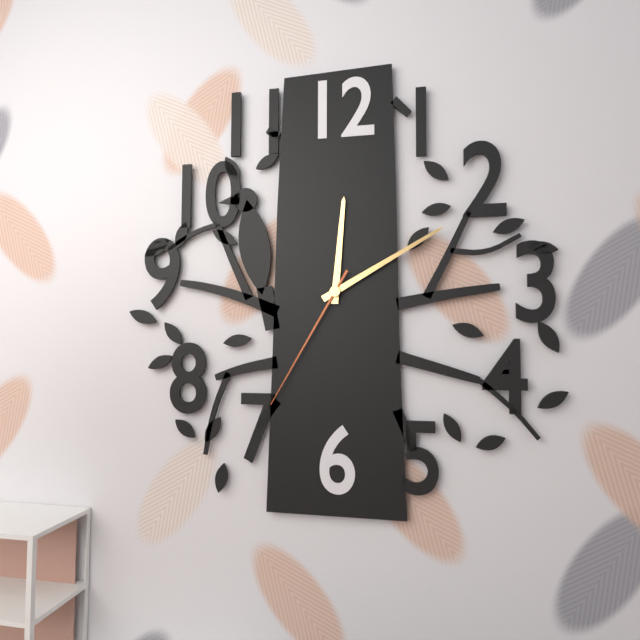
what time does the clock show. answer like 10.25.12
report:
12.10.35
